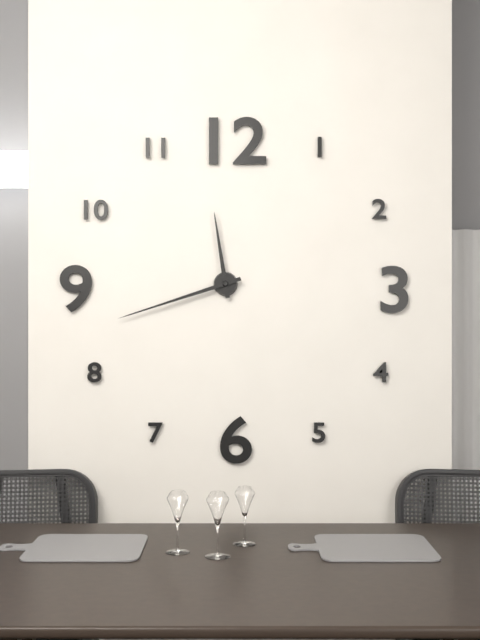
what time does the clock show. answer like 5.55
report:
11.42
